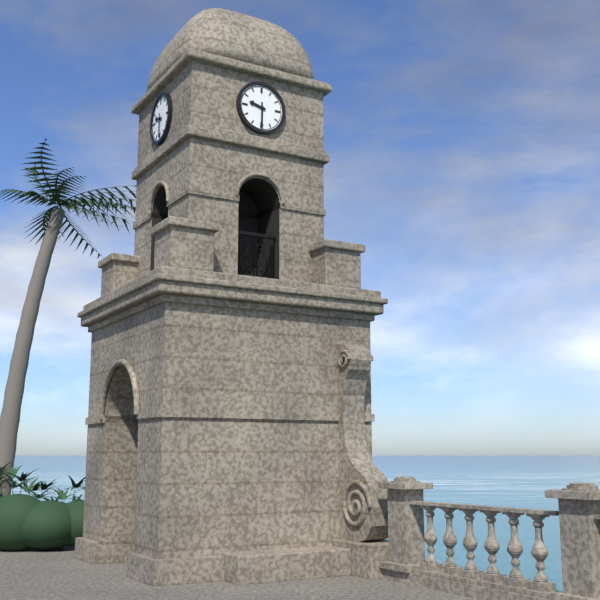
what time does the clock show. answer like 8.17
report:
9.30
